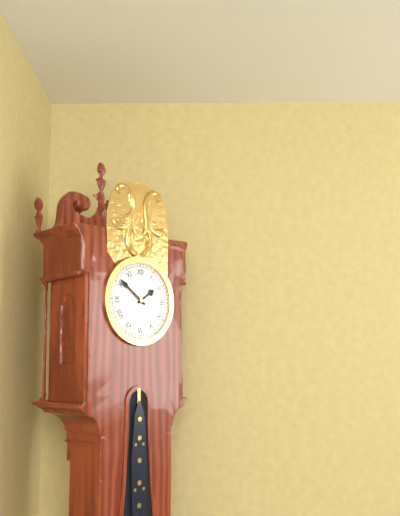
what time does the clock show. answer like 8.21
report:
1.51
